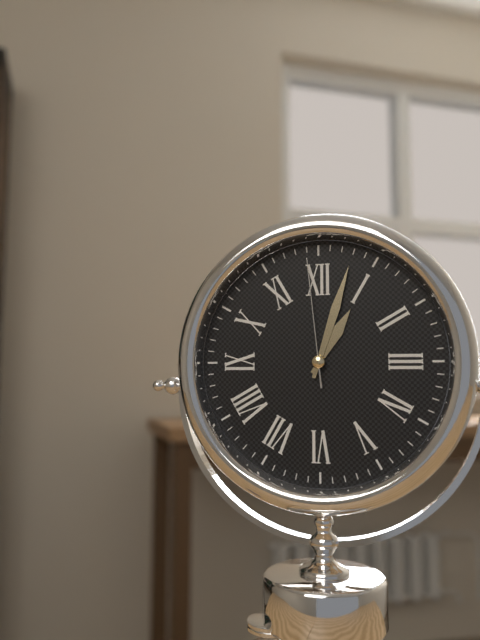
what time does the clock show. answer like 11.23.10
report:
1.03.59
